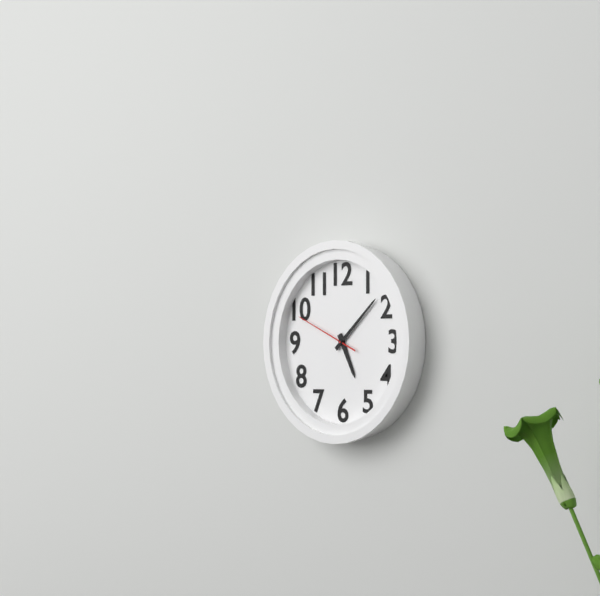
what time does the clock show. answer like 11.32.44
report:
5.08.49
